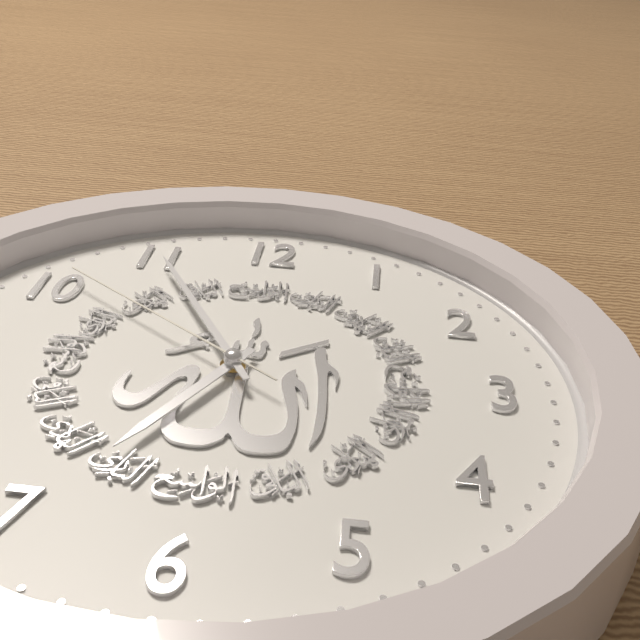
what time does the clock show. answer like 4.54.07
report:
6.55.51
